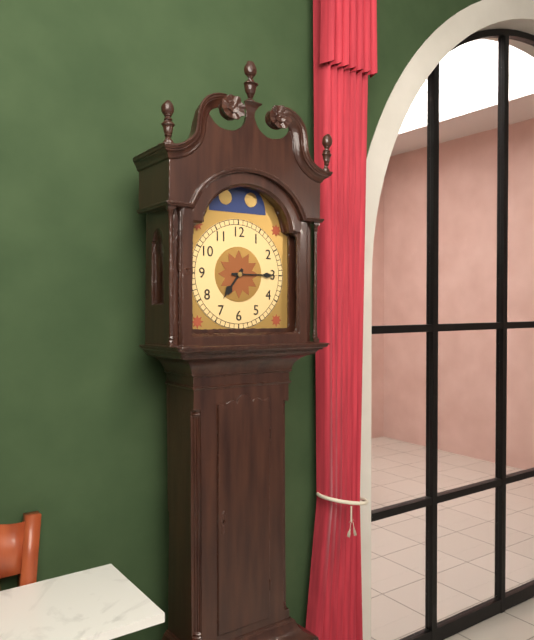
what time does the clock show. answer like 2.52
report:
7.15
